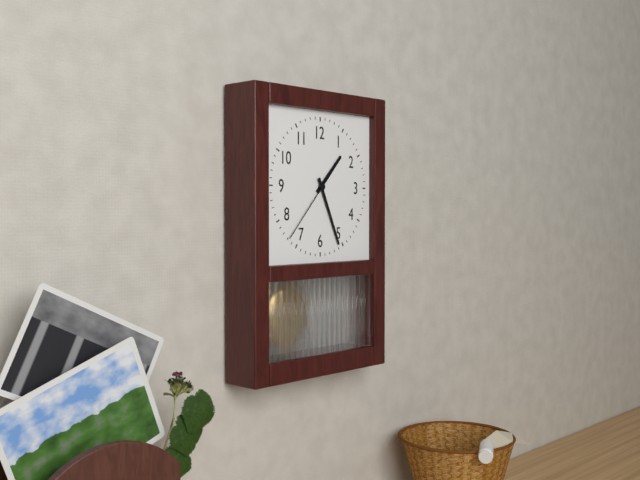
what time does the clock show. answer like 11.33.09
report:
1.26.37
